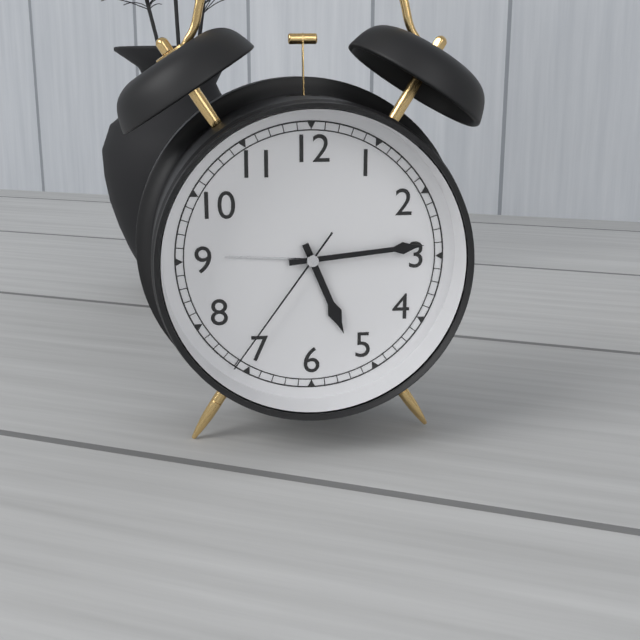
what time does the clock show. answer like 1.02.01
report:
5.14.36
